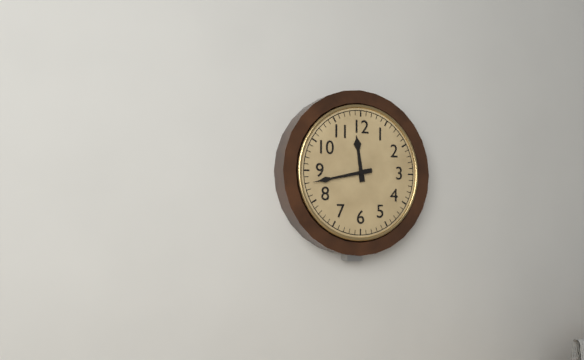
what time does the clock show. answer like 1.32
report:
11.43
